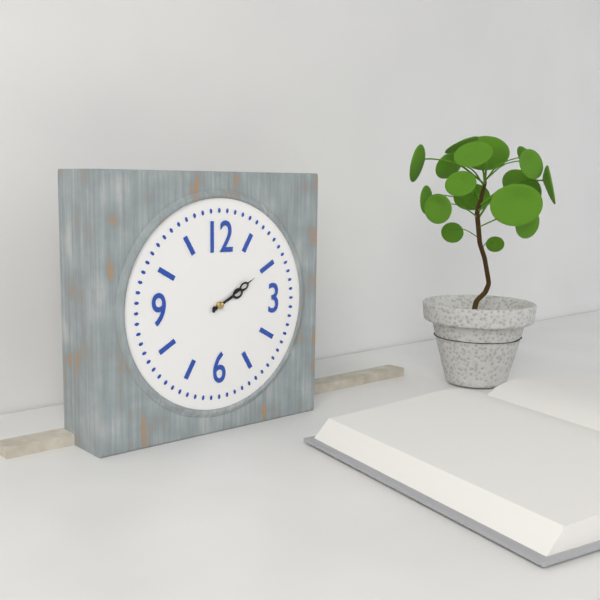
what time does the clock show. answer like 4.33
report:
2.10
